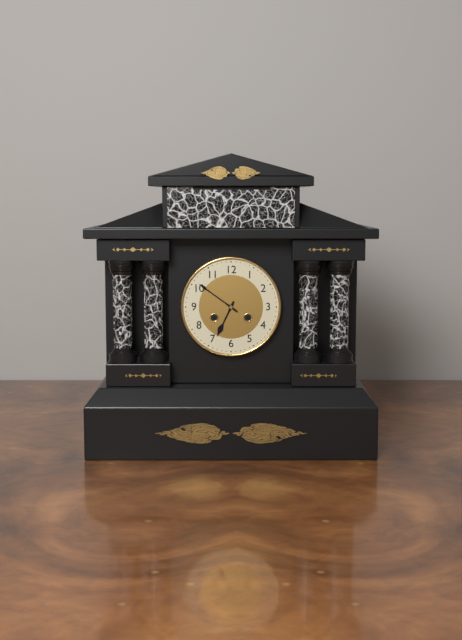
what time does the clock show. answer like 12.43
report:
6.51
